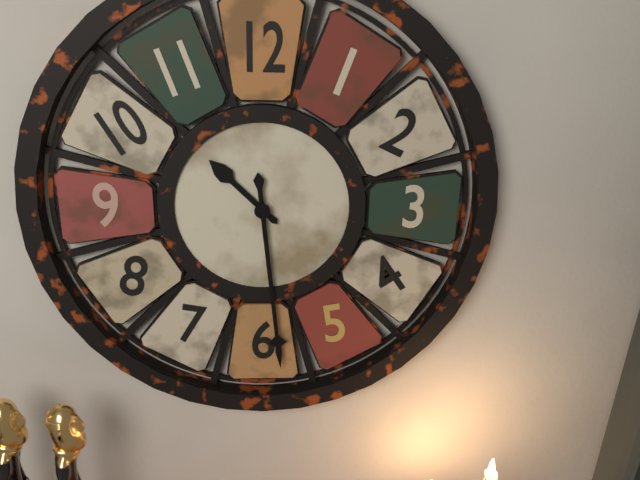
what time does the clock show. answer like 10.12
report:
10.29
